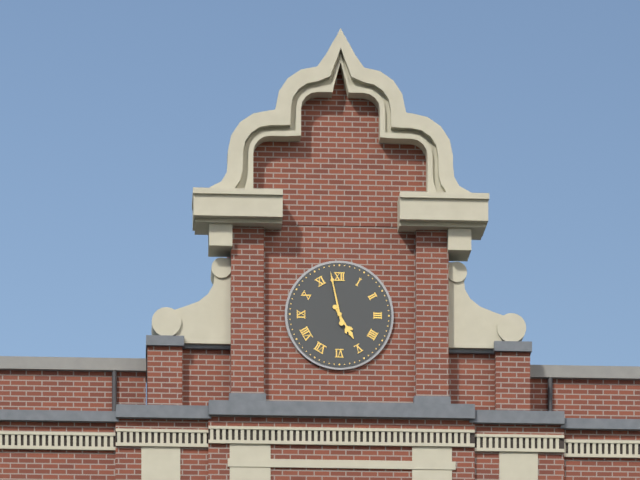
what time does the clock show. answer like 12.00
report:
4.58
